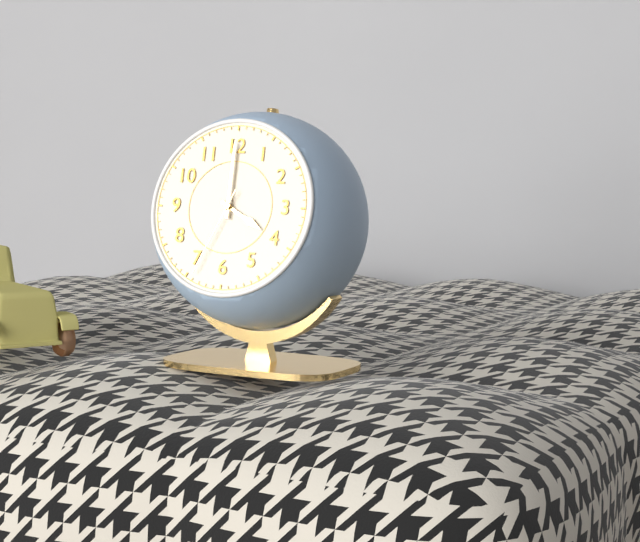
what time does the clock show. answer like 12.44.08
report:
4.00.34
